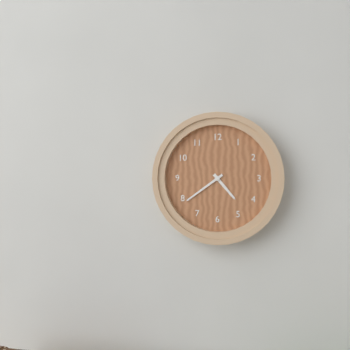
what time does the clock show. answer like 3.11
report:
4.39
